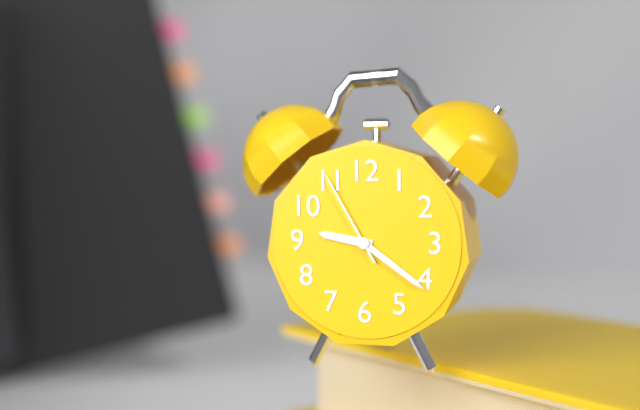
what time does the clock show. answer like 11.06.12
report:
9.21.55
